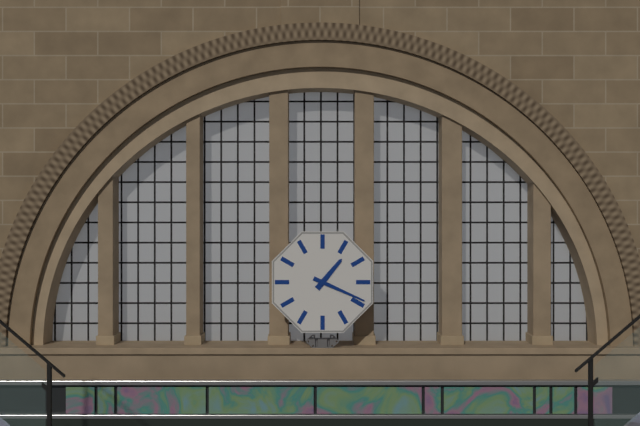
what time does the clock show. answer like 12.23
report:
1.19
